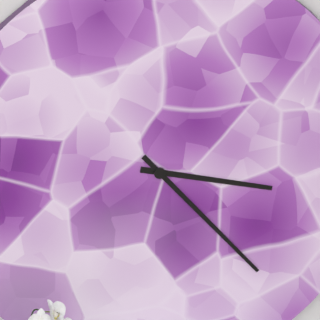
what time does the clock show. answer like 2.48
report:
3.23
